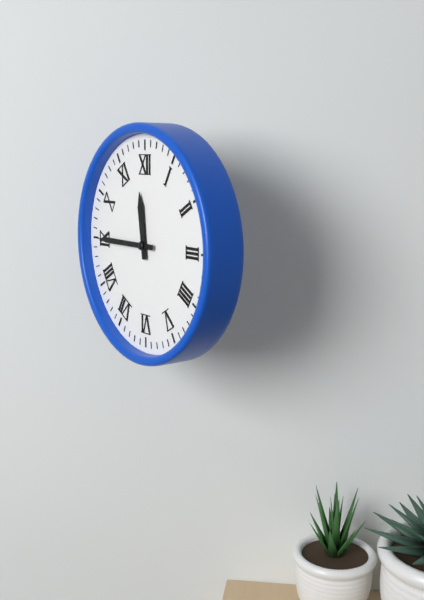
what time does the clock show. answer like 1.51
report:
11.45
